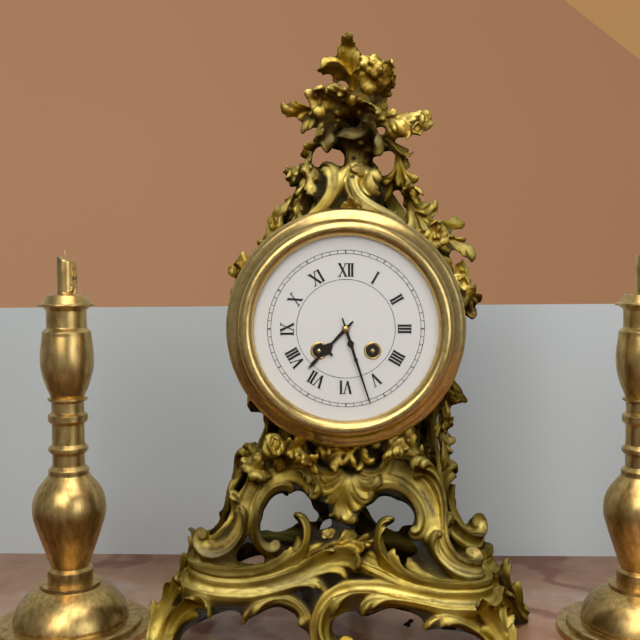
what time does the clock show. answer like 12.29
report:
7.27
